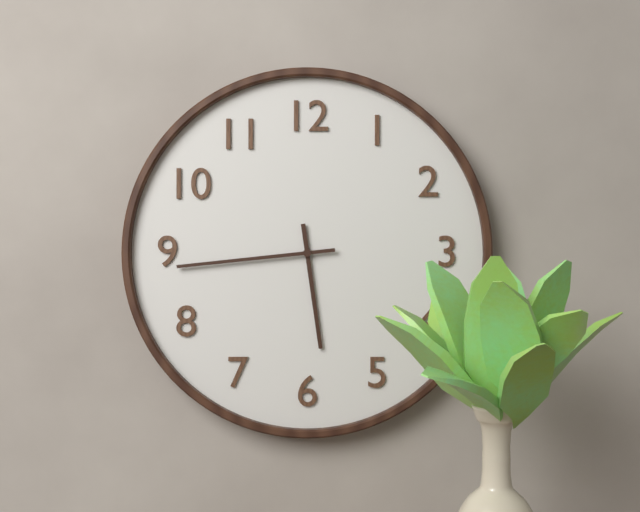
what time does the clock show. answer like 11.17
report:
5.44
